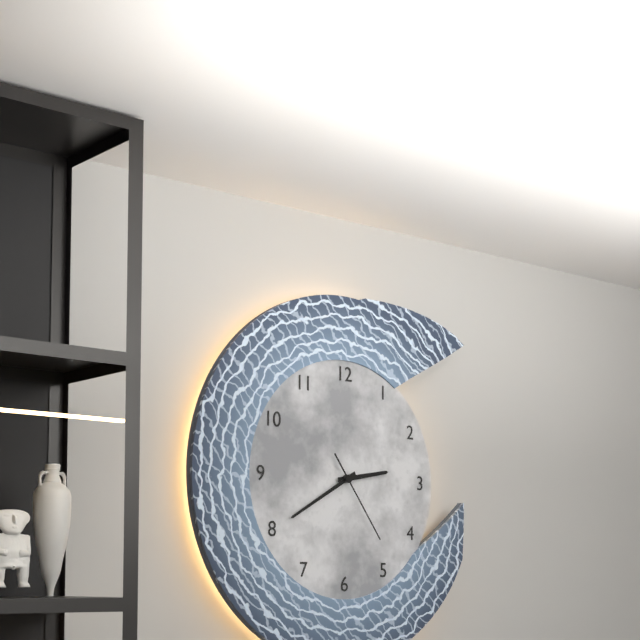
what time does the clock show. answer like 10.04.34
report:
2.40.24
